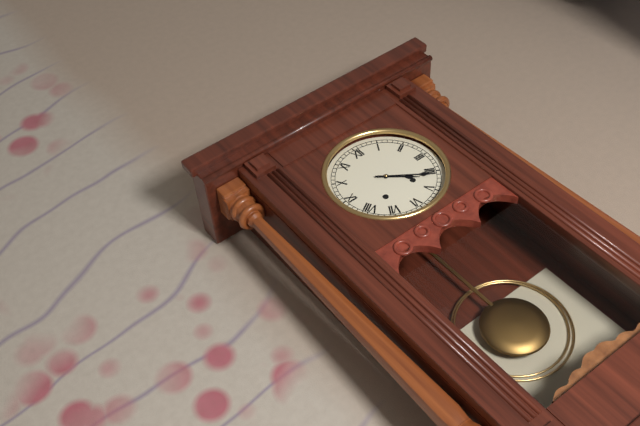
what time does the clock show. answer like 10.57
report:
4.21
